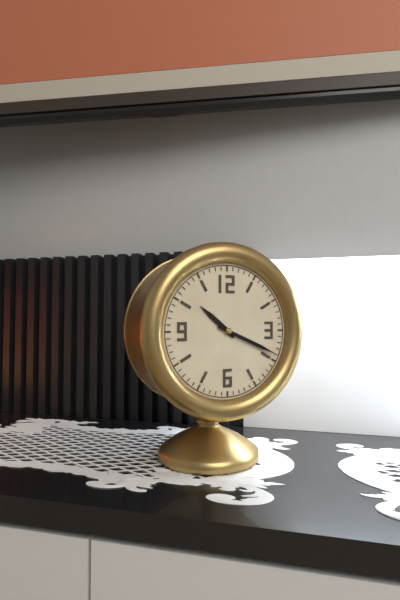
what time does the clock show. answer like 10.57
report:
10.19
